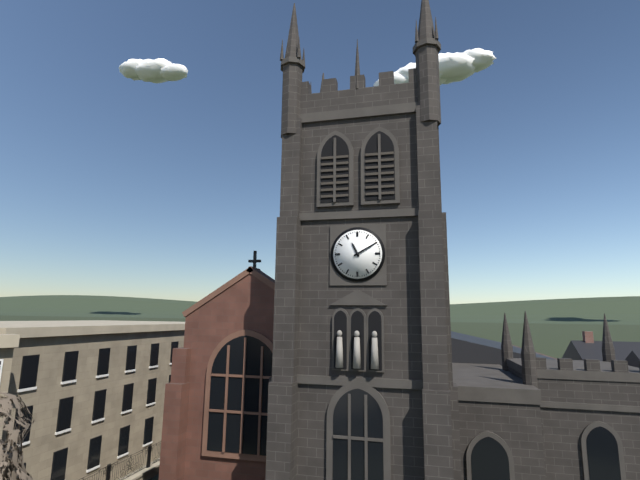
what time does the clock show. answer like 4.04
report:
11.10
